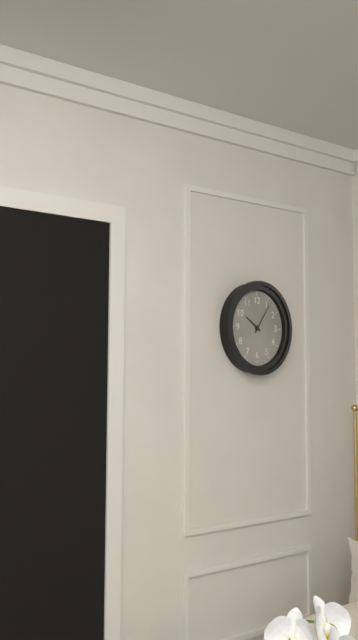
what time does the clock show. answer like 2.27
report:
10.06
